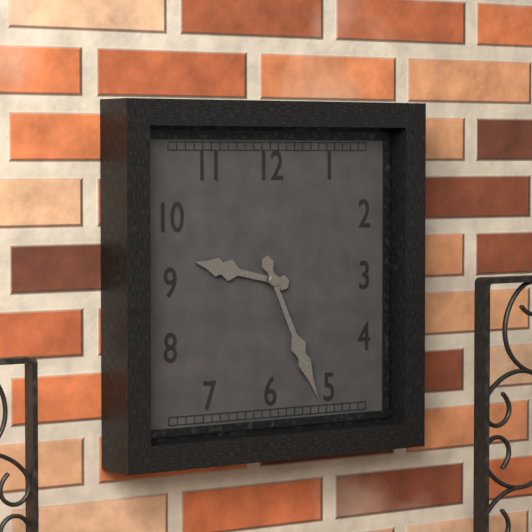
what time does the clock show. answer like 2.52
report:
9.26
